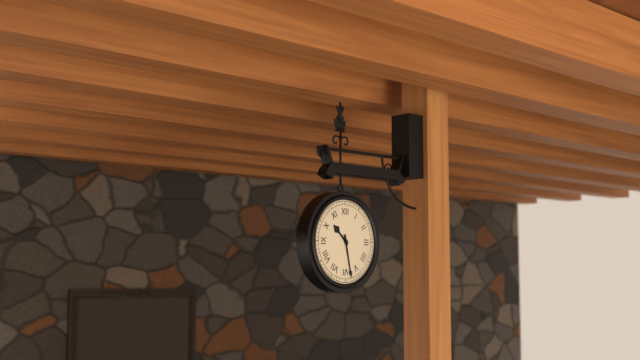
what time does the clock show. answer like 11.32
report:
10.28
